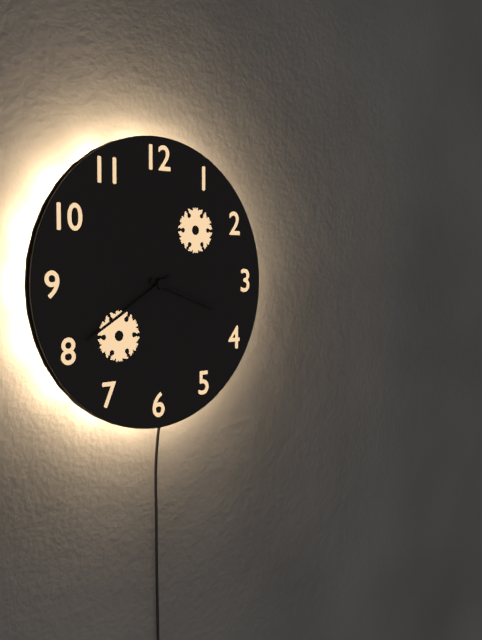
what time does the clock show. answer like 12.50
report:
3.40
